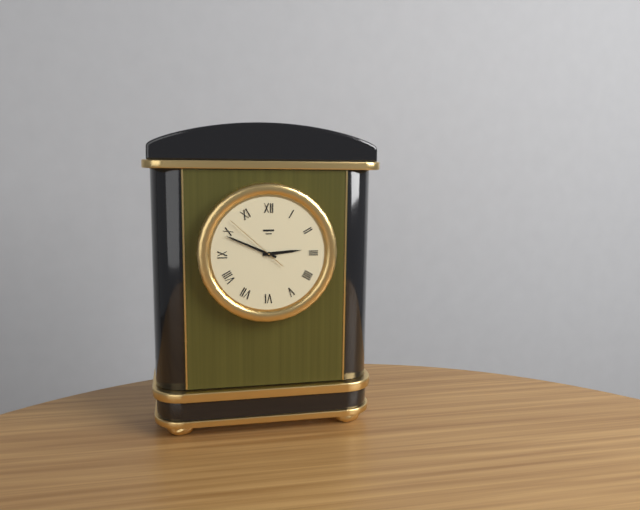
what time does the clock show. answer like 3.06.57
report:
2.49.52
